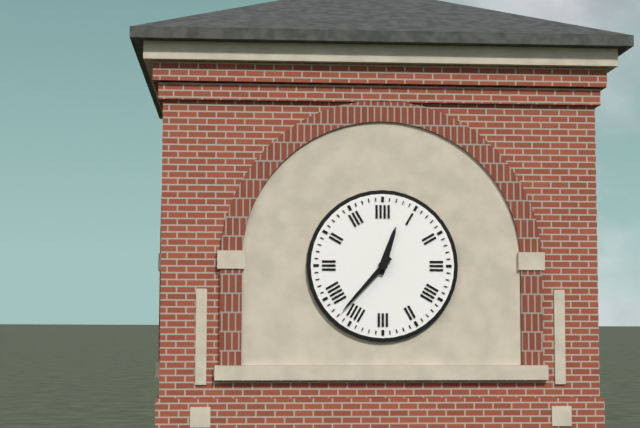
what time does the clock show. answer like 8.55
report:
12.37
